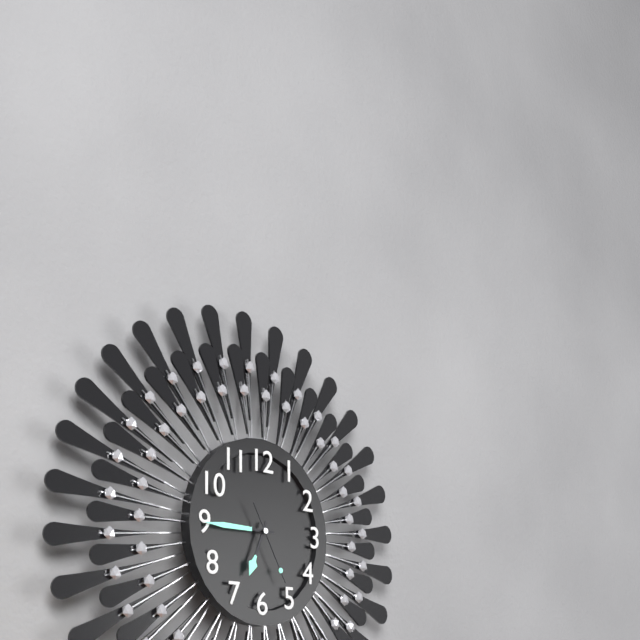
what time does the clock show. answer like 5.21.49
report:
6.45.25
